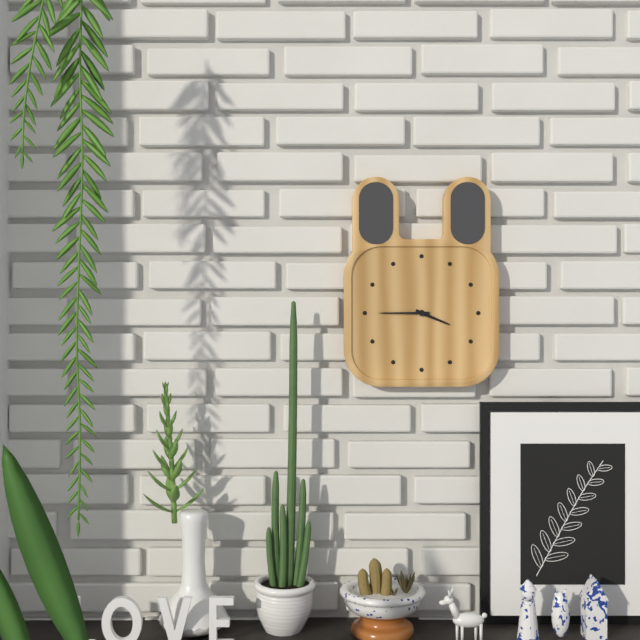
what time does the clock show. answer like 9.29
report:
3.45
